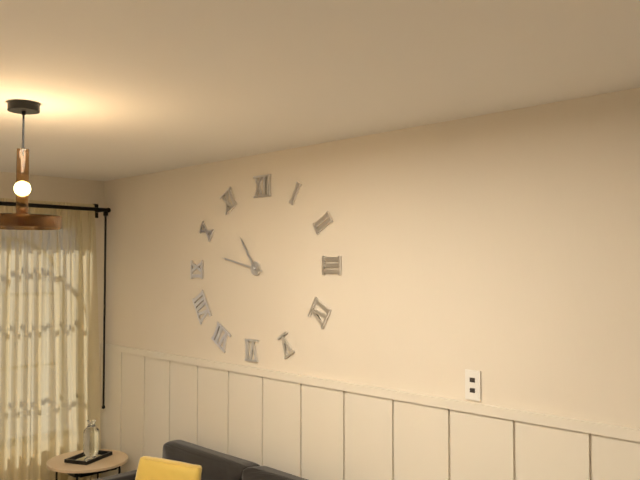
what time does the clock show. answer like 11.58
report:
10.47
